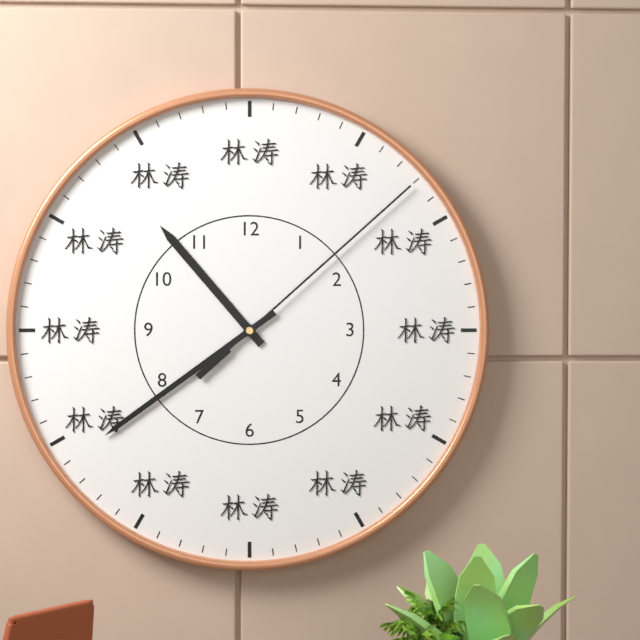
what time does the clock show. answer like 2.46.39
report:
10.39.08
